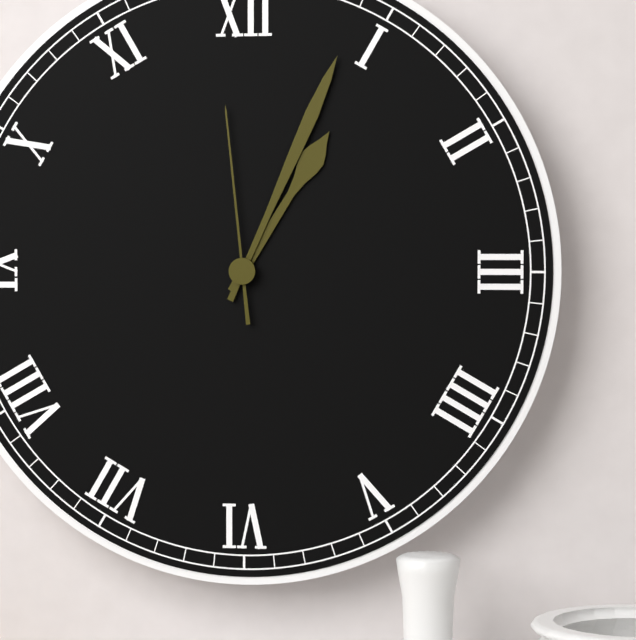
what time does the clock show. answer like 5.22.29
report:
1.04.59
